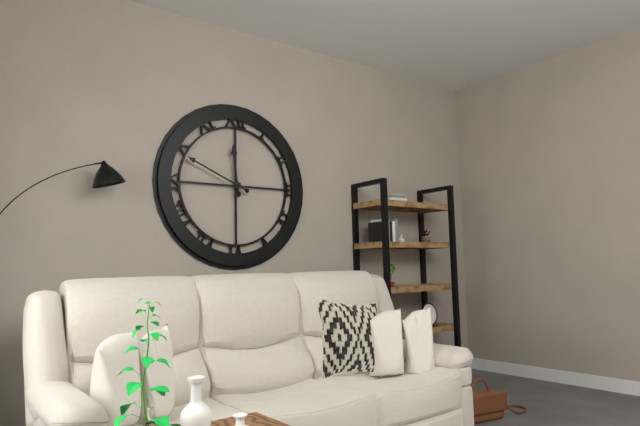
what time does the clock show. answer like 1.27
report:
11.49
